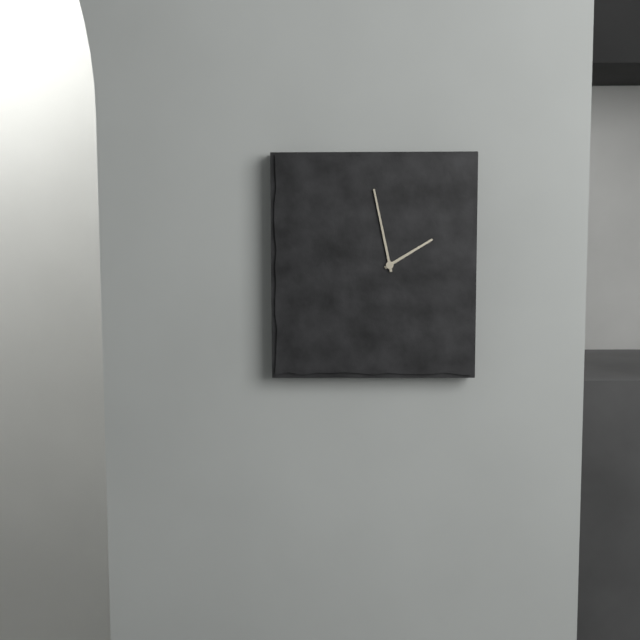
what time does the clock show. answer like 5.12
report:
1.58
